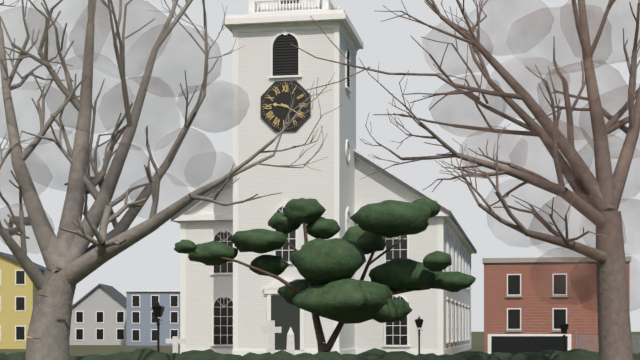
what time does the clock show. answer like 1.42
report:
9.20
